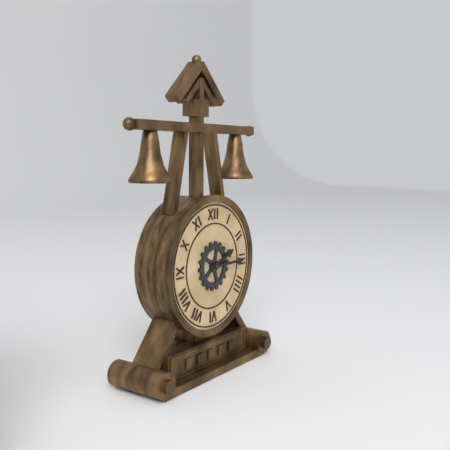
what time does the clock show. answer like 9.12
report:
2.15
